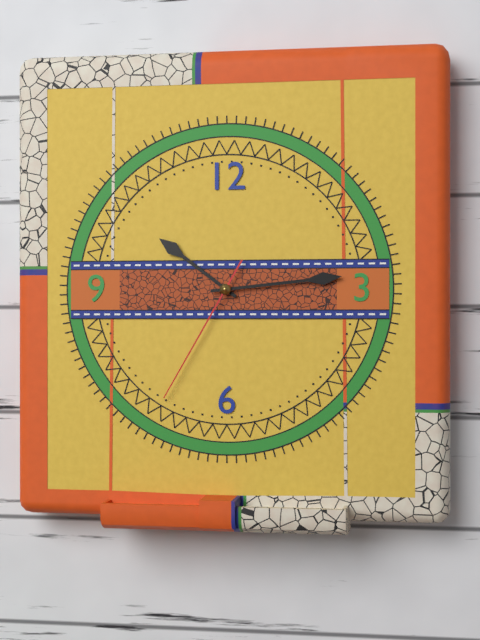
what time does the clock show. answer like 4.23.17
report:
10.14.35
